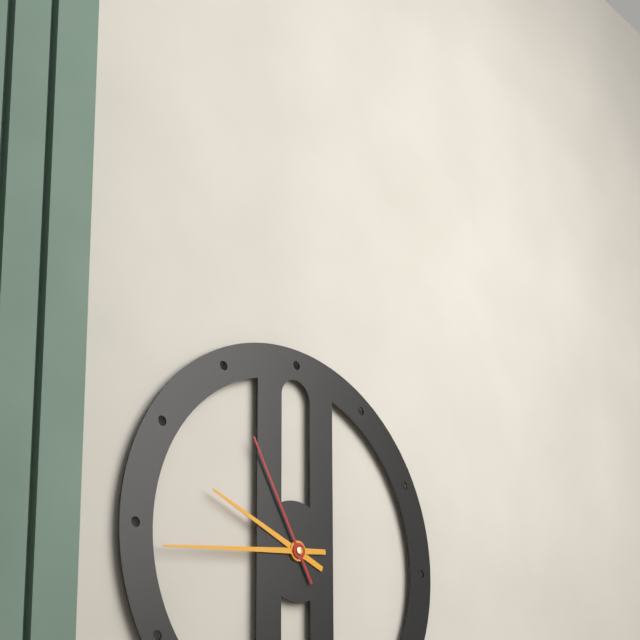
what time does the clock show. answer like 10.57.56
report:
9.44.55
